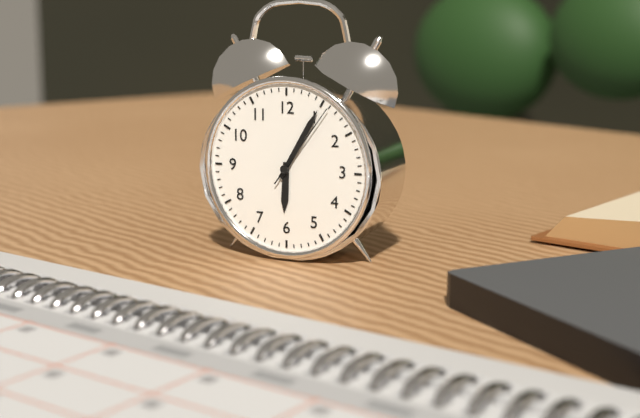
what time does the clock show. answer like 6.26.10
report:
6.05.06
